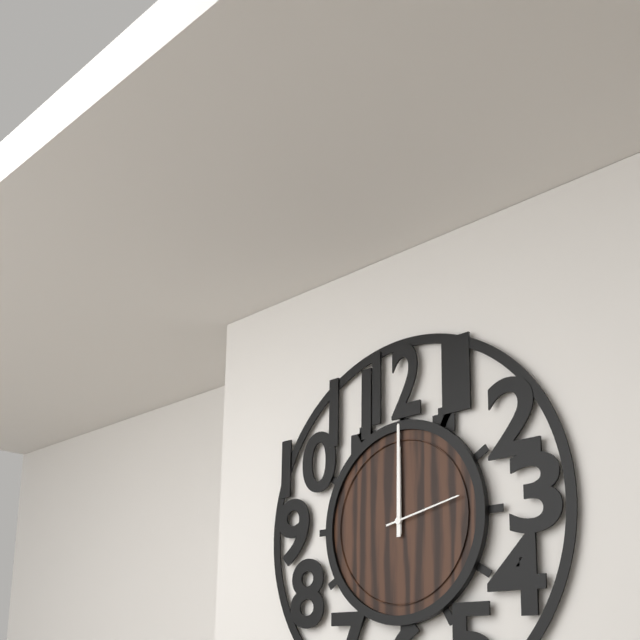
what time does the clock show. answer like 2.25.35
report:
12.00.13
